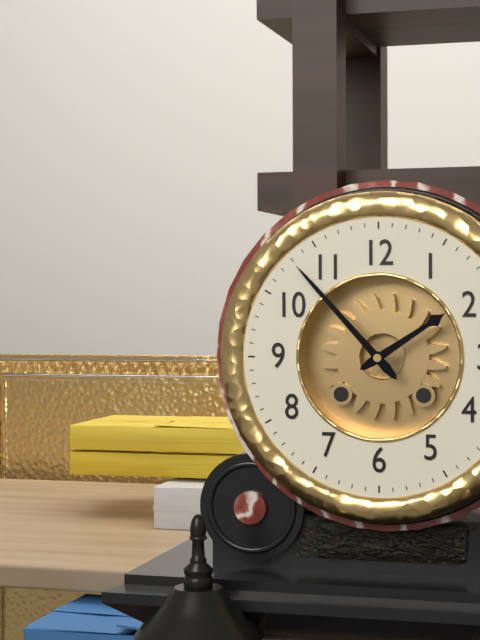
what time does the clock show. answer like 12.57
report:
1.53
